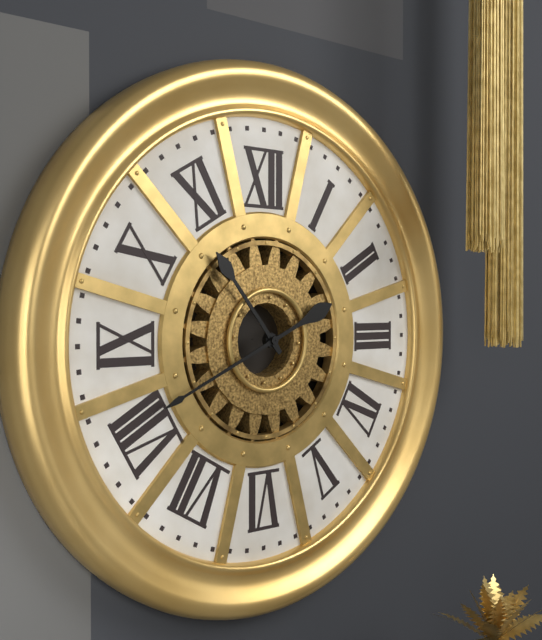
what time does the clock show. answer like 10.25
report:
10.41
